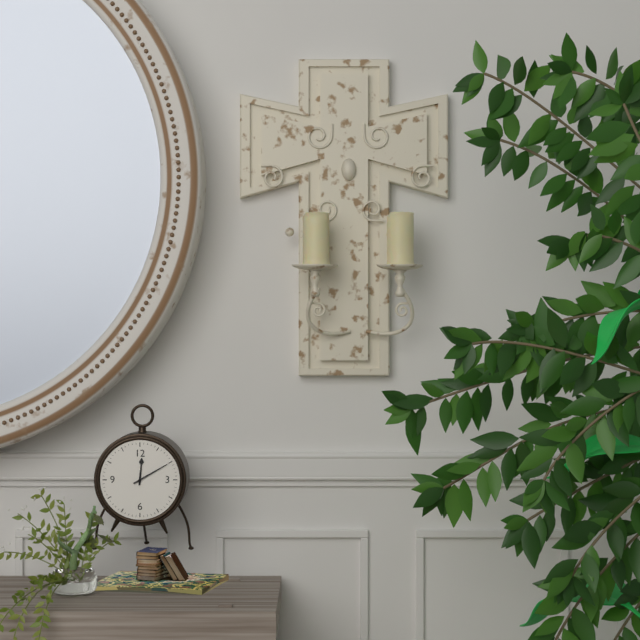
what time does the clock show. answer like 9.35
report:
12.10
